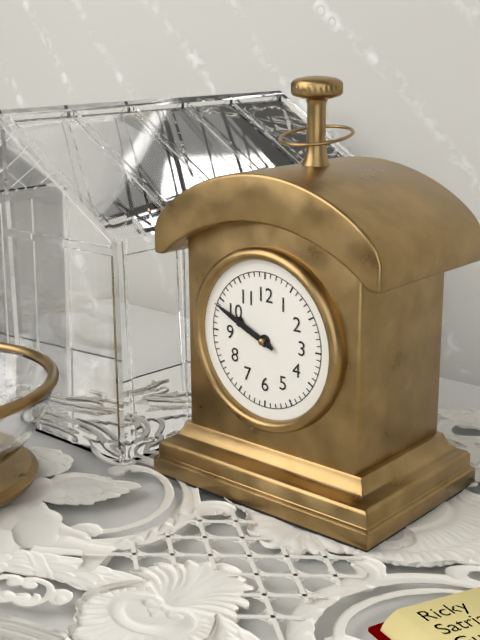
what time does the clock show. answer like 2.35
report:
9.49
